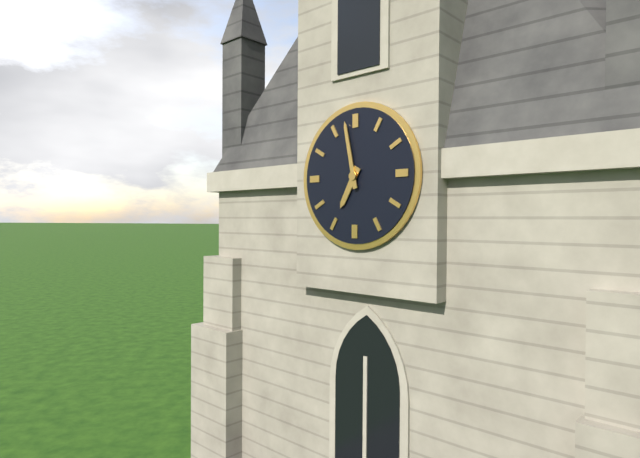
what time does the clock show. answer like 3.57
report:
6.58
